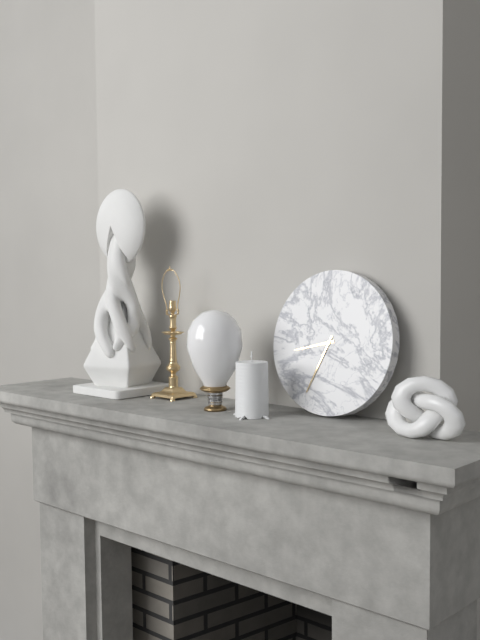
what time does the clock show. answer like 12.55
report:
8.34
